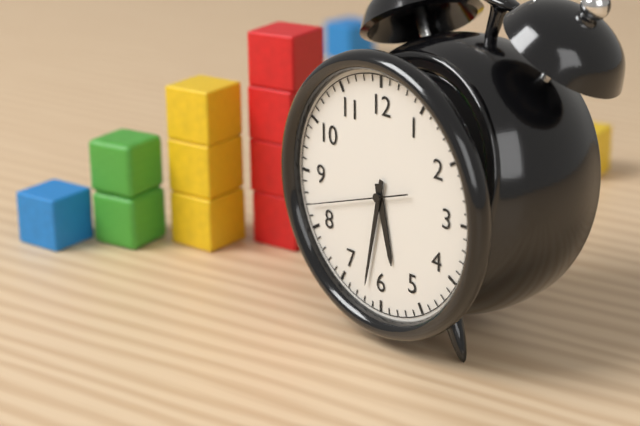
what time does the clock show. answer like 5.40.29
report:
5.32.42
